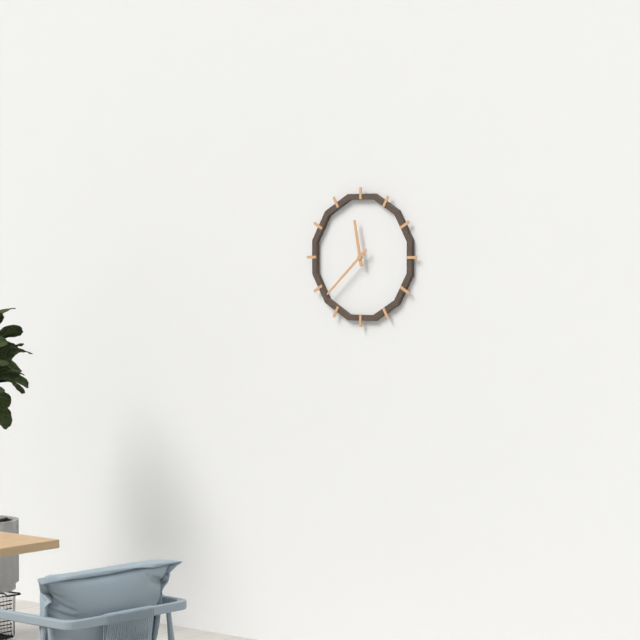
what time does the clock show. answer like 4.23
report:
11.38
